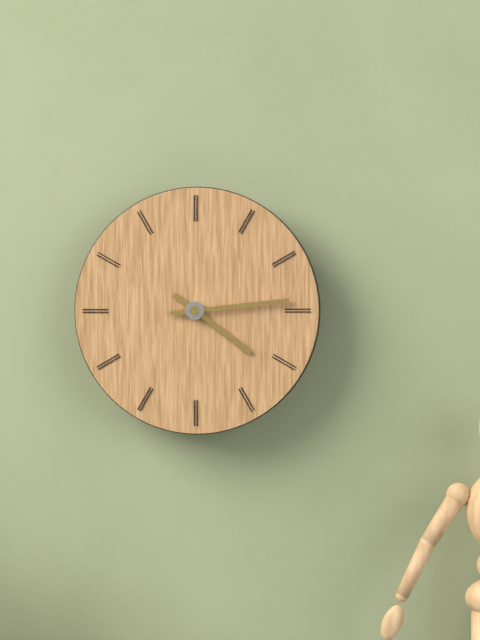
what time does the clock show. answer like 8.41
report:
4.14
